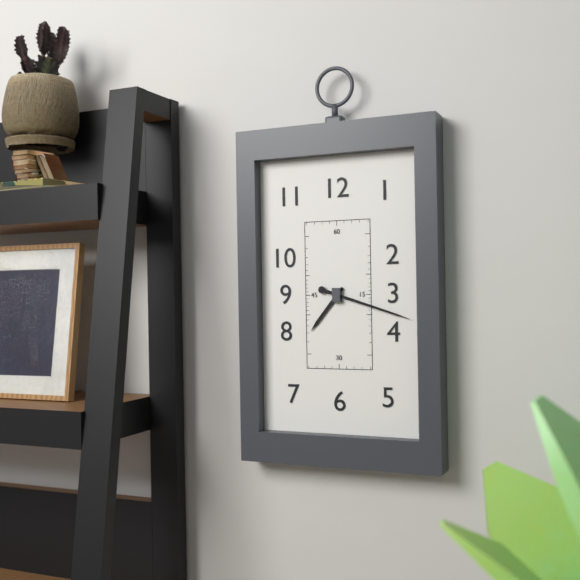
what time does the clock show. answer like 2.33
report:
7.18
